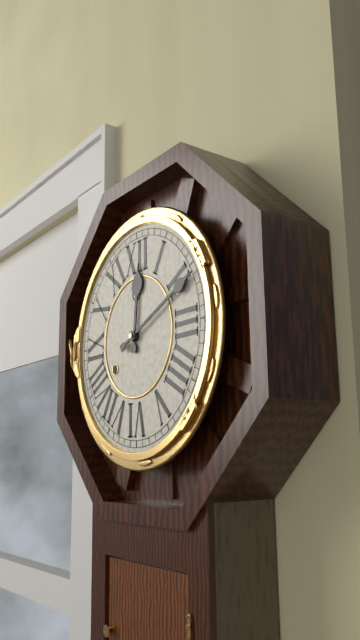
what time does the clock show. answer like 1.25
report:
12.11
